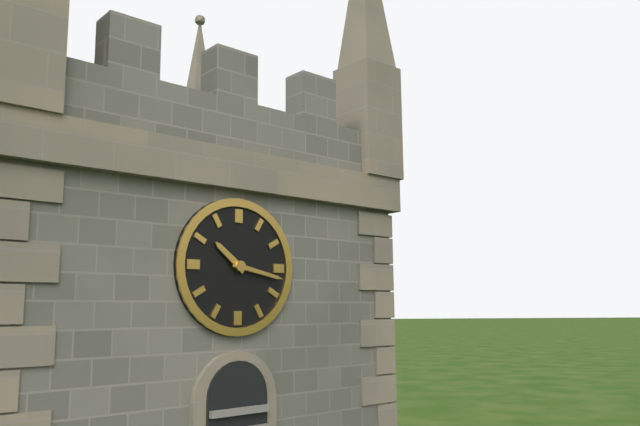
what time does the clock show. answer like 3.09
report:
10.17
